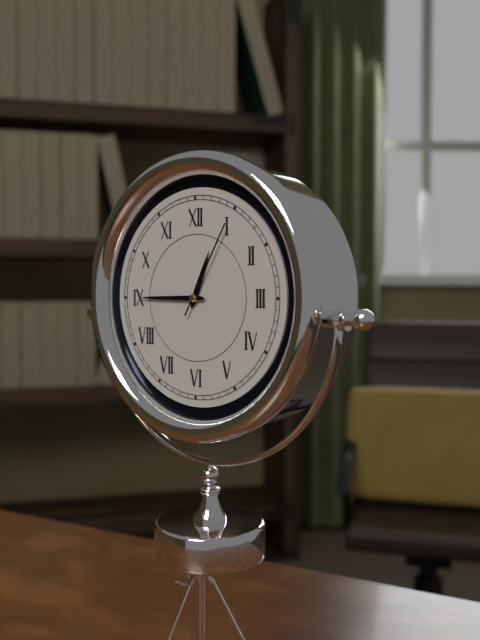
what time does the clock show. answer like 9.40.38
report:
12.45.05
